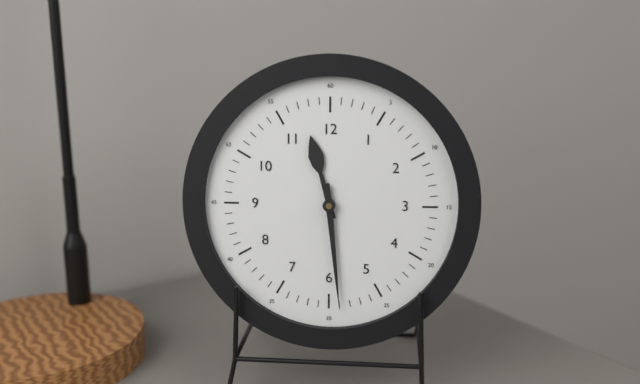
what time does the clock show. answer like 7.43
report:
11.29
